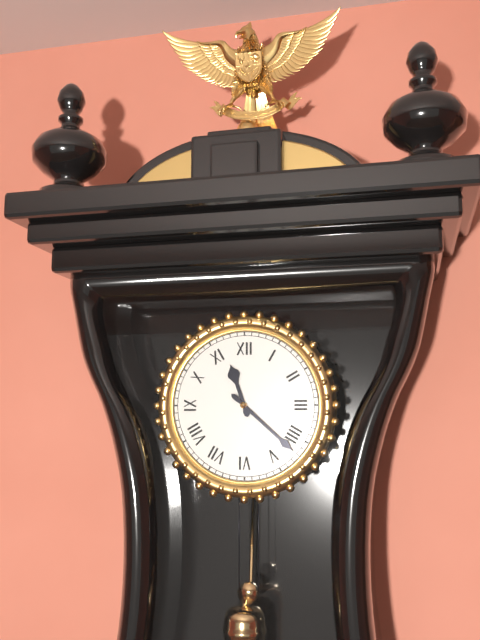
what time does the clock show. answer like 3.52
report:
11.22
